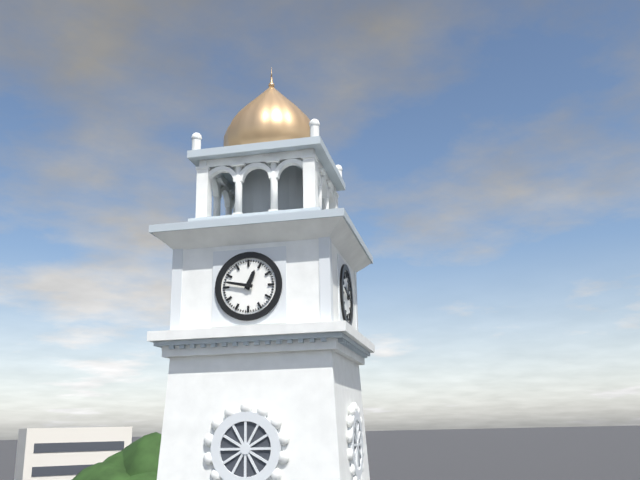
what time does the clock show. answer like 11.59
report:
12.47
